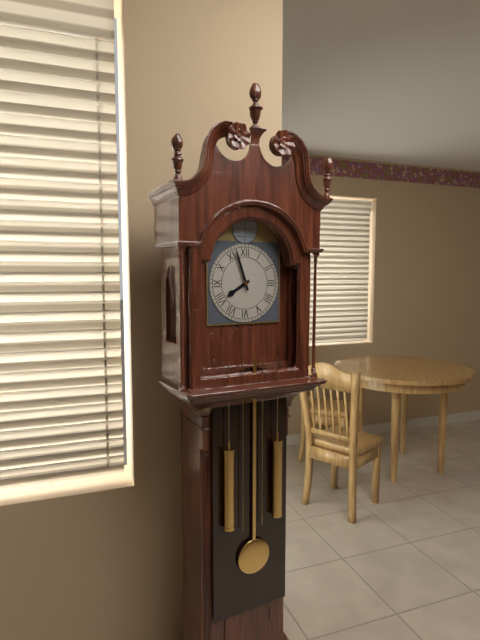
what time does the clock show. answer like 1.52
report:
7.57
